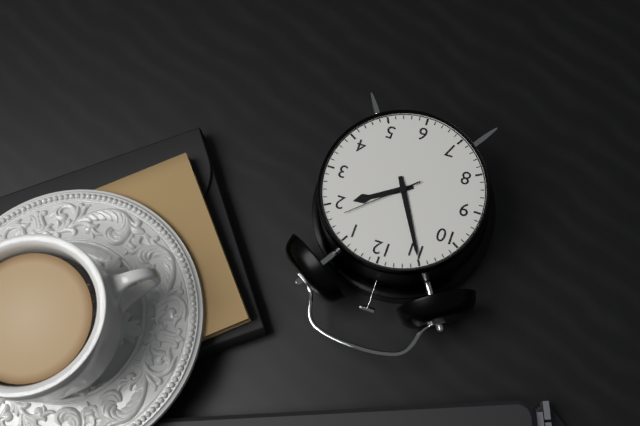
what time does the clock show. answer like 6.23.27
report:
1.55.08
